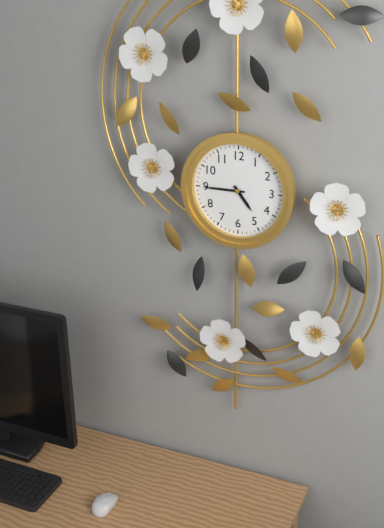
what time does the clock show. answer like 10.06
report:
4.45
